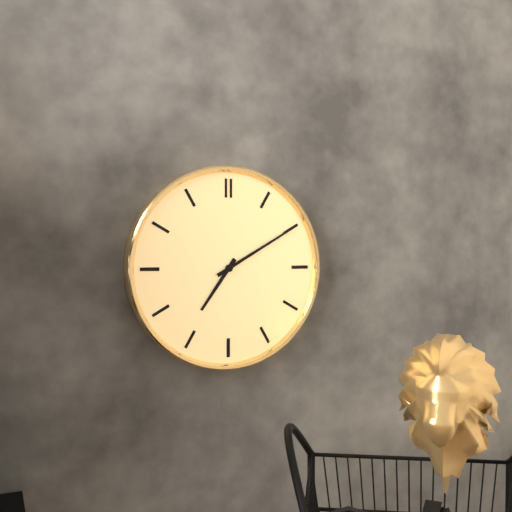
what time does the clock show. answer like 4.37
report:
7.10
